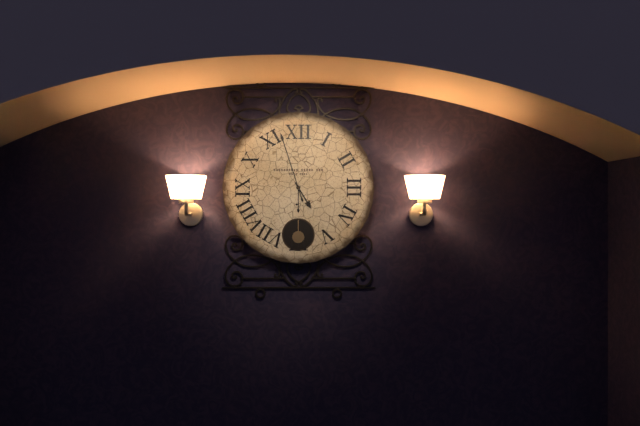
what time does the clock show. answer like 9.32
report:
4.57
